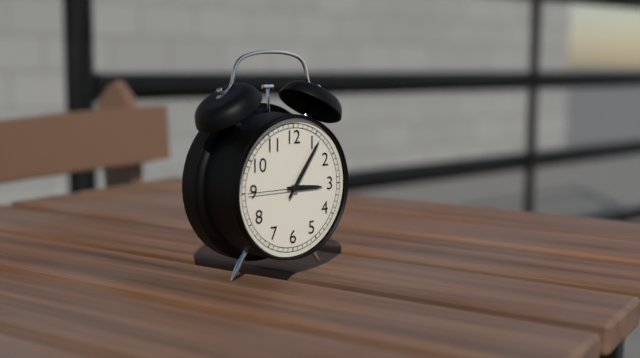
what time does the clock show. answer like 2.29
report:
3.06
